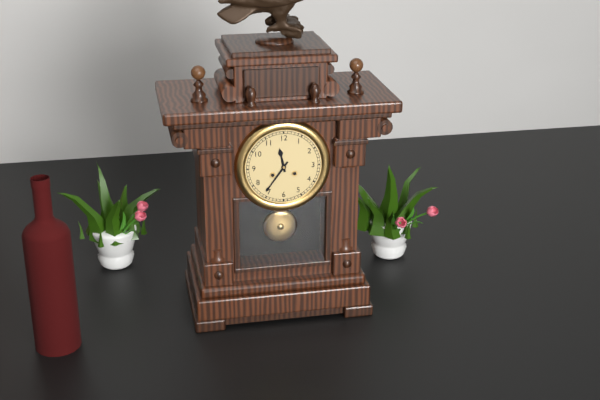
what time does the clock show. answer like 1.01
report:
11.36
